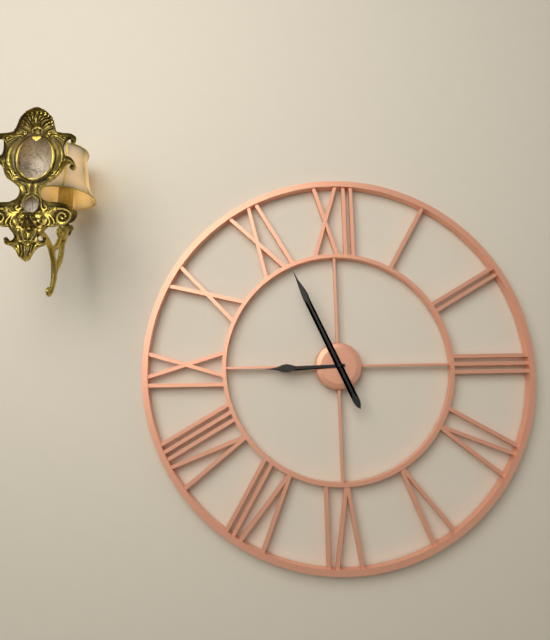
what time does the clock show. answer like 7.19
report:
8.56
